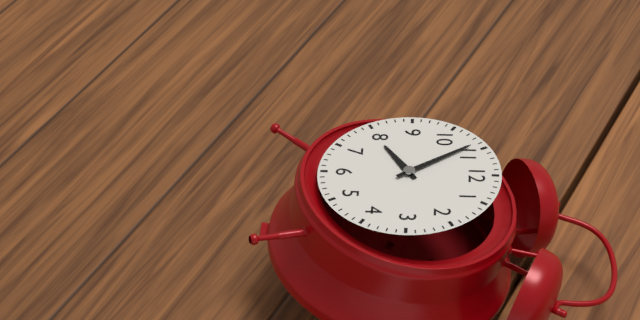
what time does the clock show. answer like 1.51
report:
7.54
